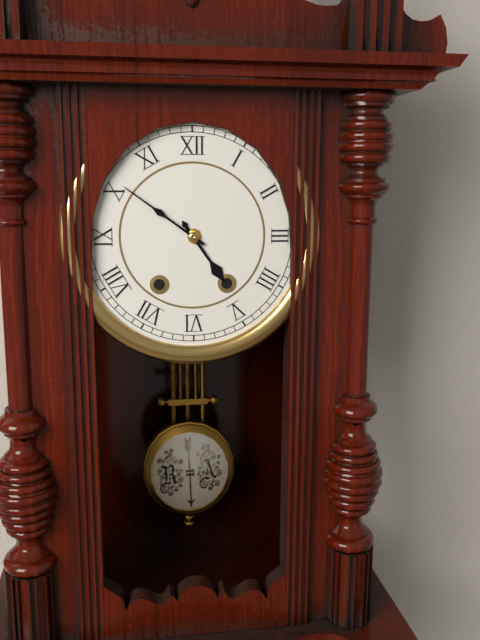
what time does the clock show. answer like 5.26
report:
4.51
